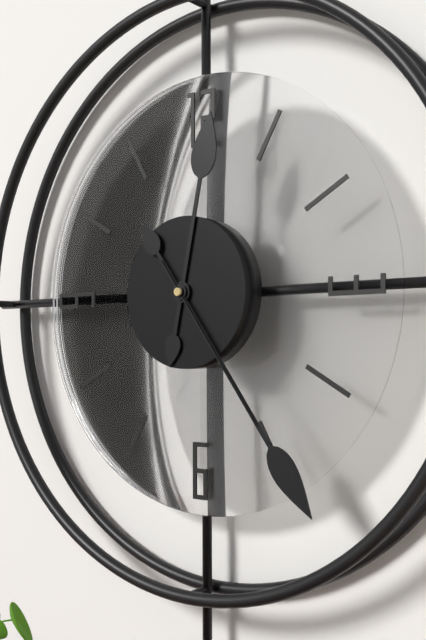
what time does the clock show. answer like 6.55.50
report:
12.24.24
